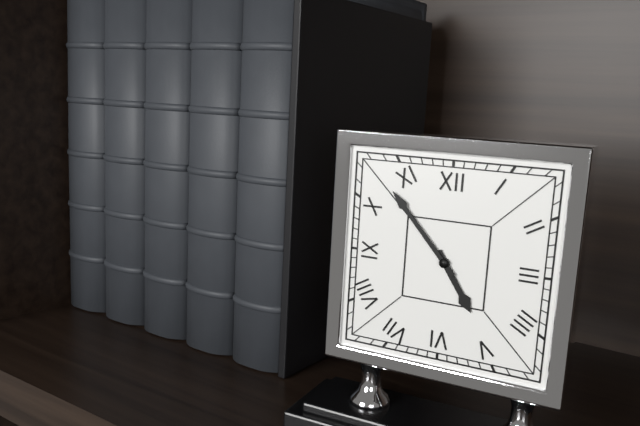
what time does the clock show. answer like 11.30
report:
4.53
